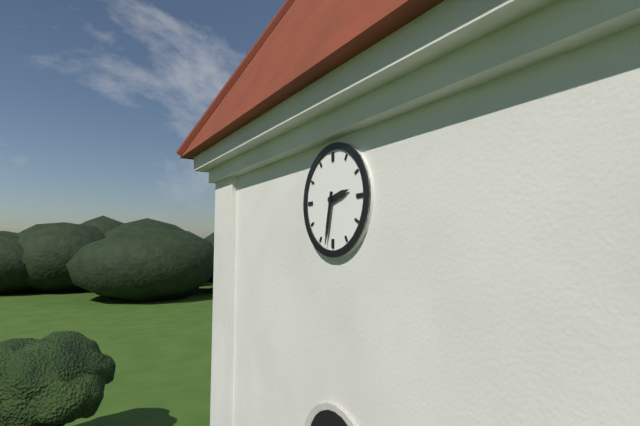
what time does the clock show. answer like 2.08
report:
2.32
